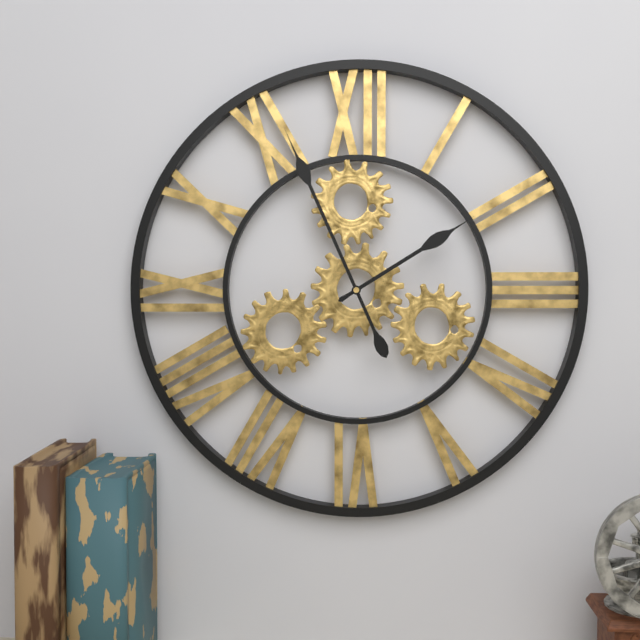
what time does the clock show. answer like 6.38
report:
1.56
